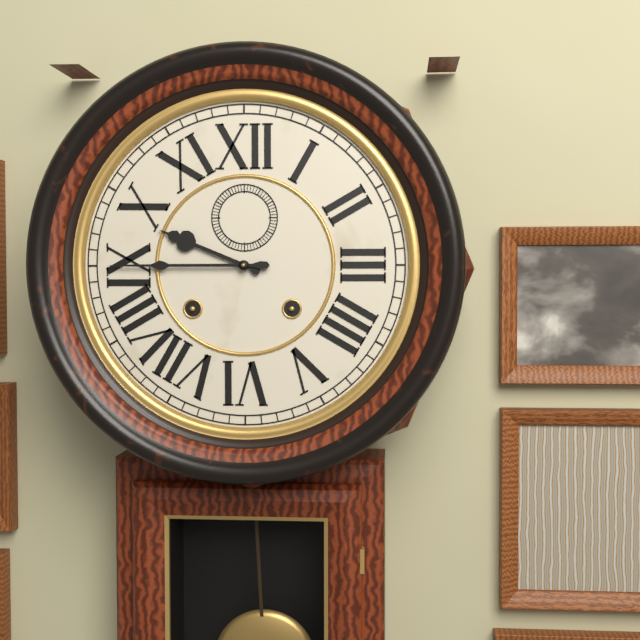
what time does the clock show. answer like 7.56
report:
9.45
